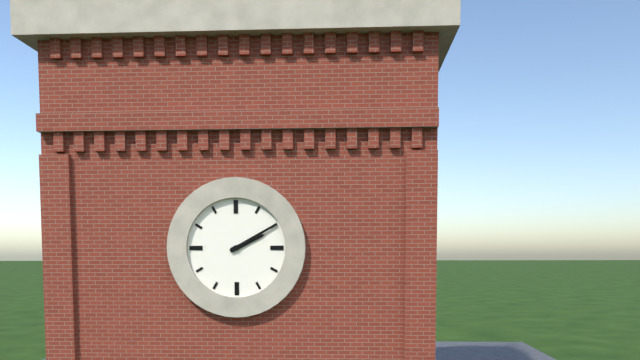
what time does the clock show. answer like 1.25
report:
2.10
